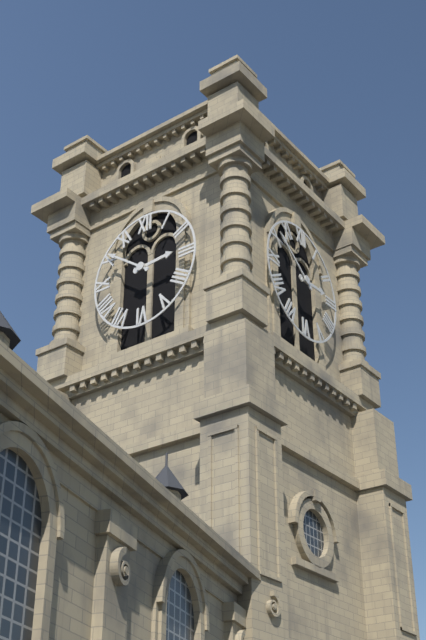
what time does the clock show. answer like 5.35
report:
2.51
